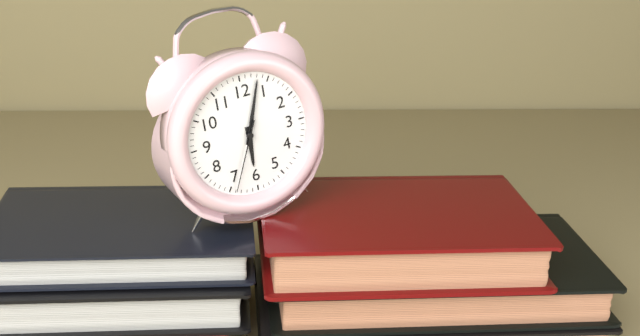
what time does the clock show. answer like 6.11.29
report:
6.03.34
